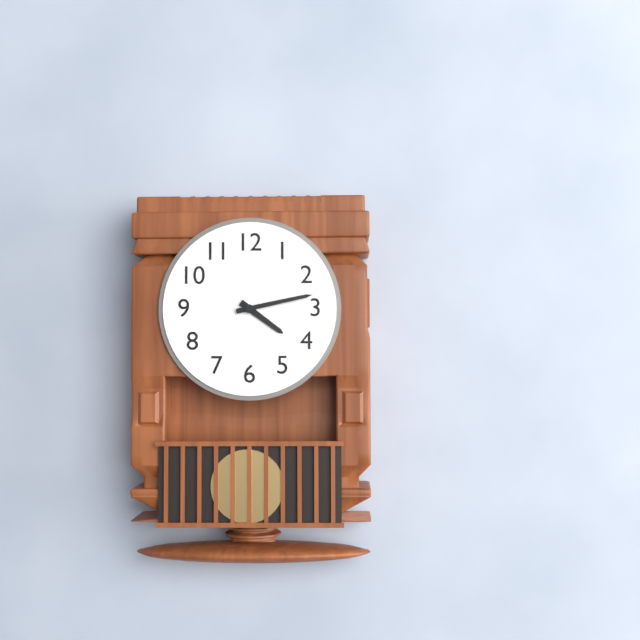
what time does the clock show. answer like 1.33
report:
4.13
